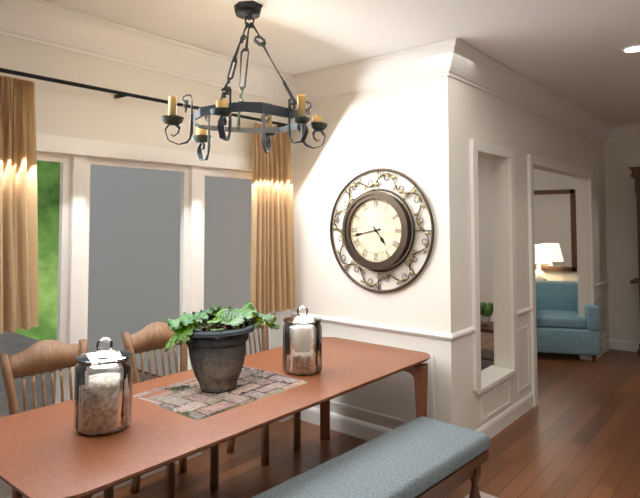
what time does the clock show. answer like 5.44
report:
4.43
